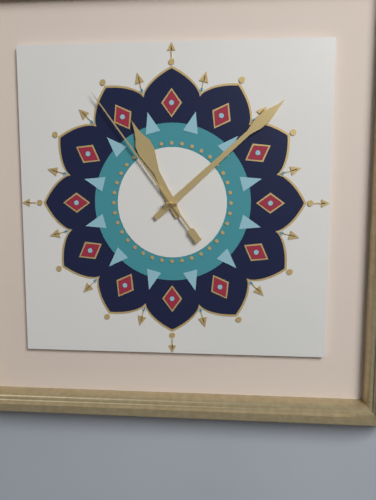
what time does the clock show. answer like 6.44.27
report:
11.08.54
